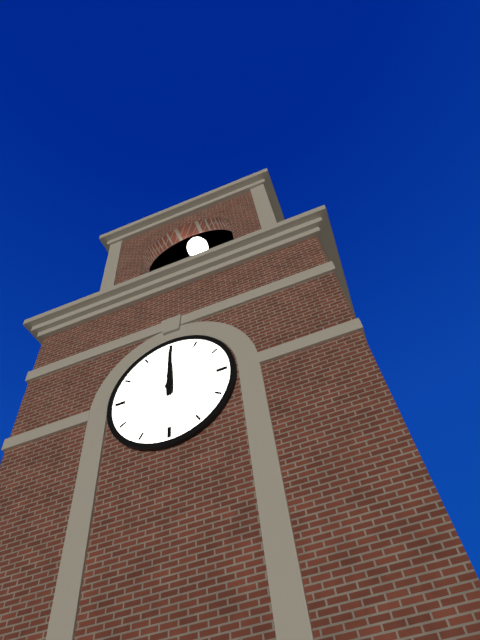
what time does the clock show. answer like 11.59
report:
12.00
